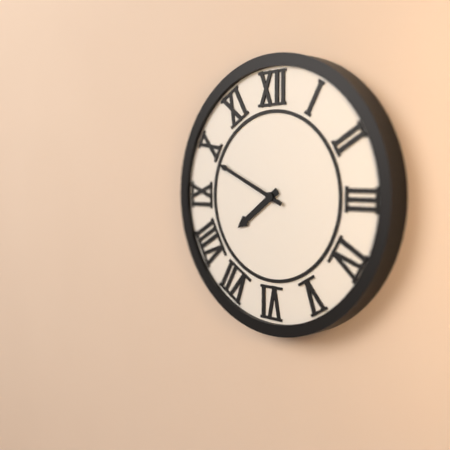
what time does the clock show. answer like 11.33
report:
7.49
